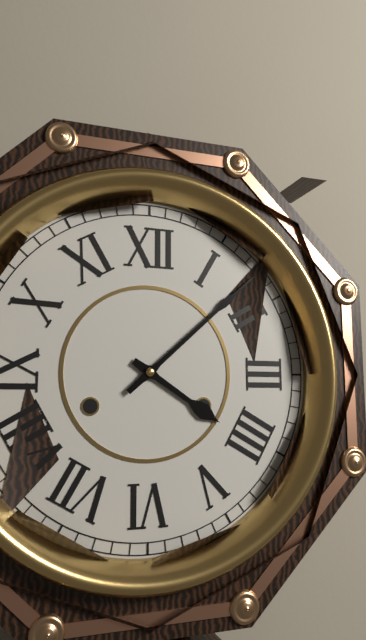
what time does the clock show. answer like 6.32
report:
4.08
